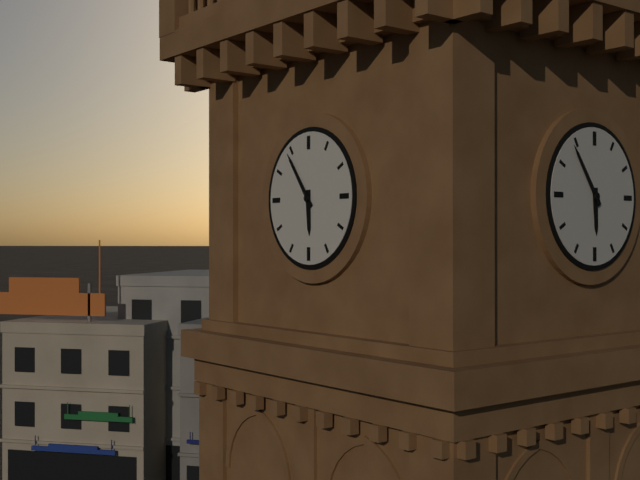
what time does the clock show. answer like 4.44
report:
5.54
